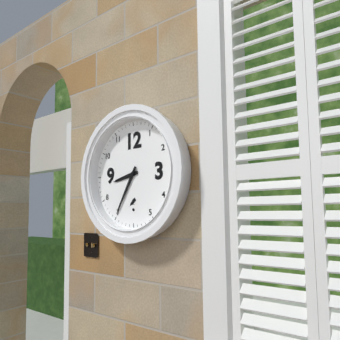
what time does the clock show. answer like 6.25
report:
8.35
